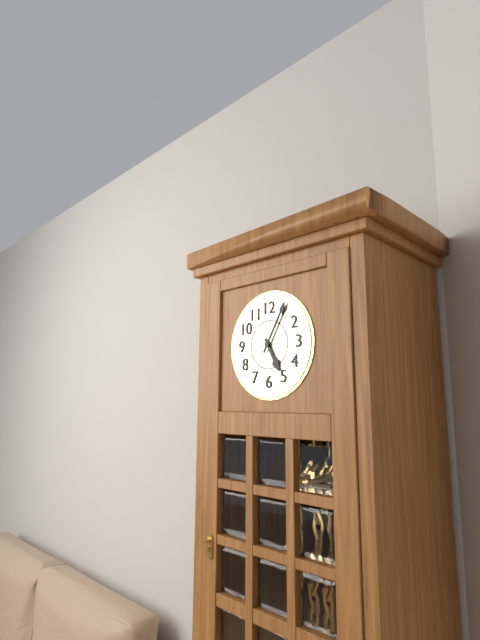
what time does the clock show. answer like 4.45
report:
5.05
